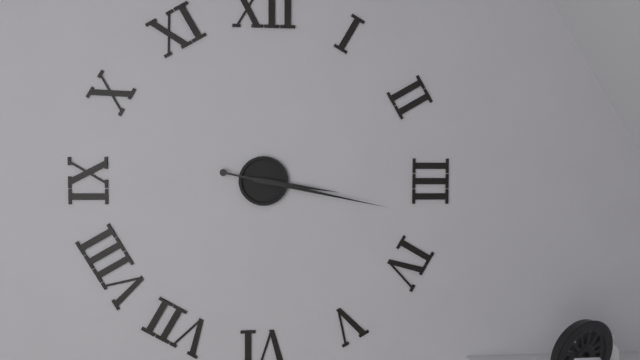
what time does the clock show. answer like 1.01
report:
3.17
